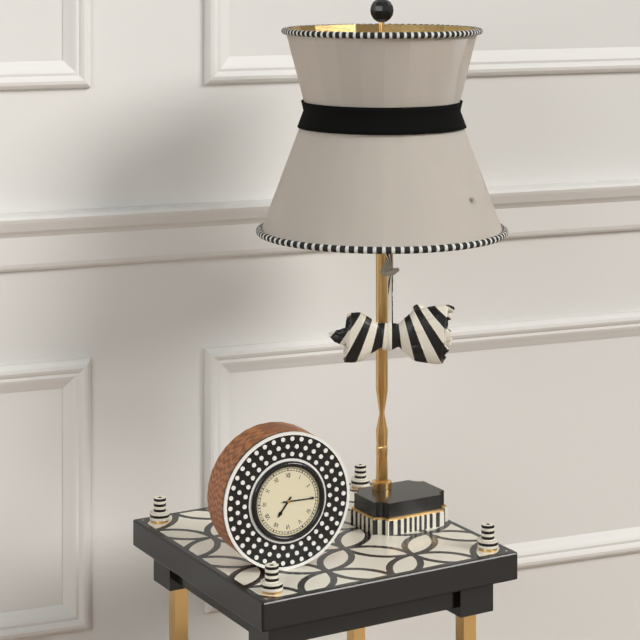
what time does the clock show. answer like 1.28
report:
7.15
